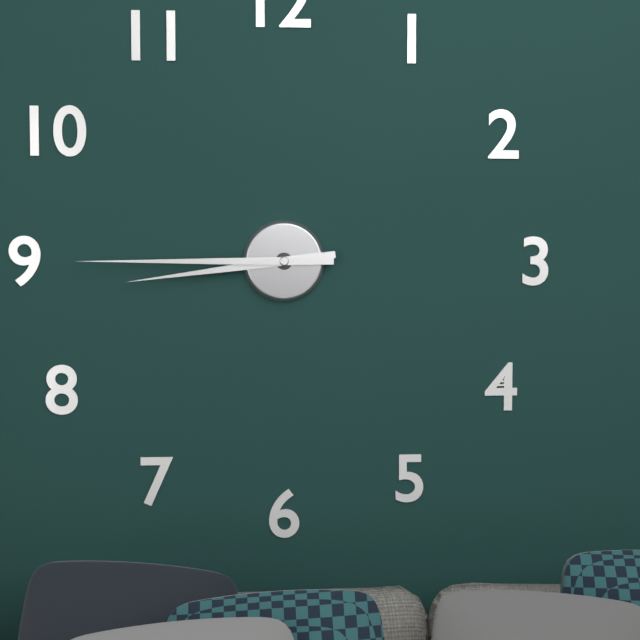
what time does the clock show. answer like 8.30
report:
8.45
